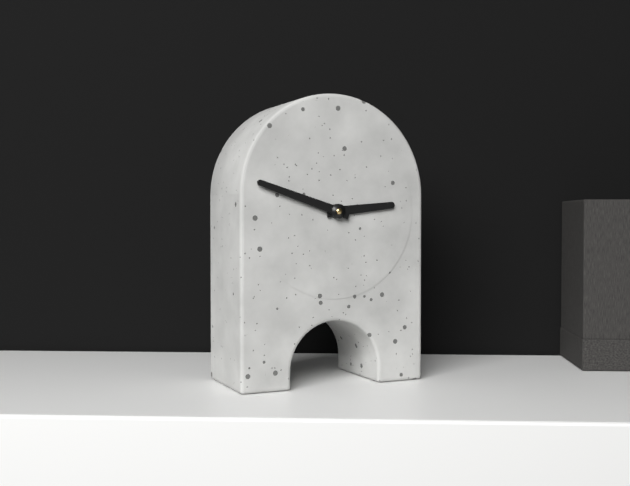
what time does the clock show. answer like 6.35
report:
2.48
